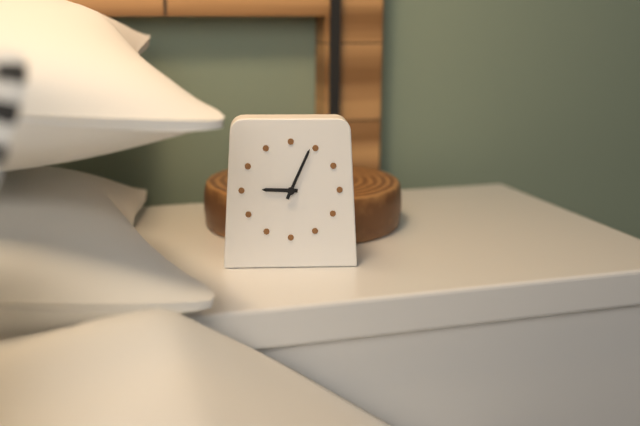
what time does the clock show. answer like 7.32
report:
9.04
